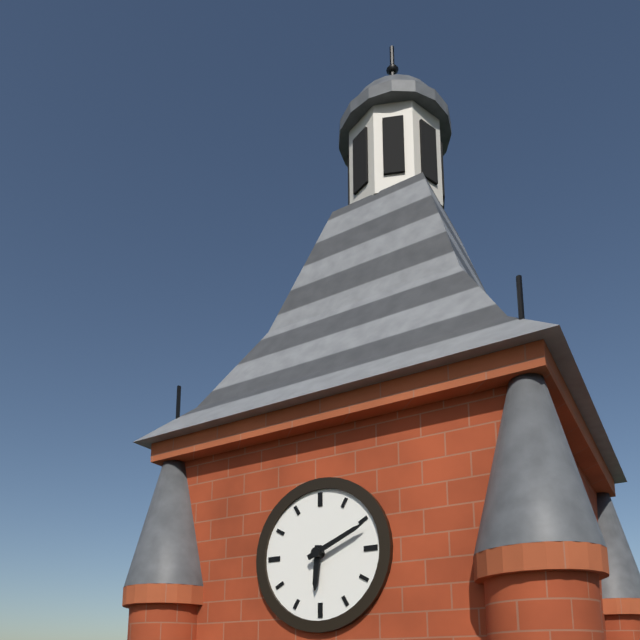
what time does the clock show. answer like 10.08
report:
6.11
